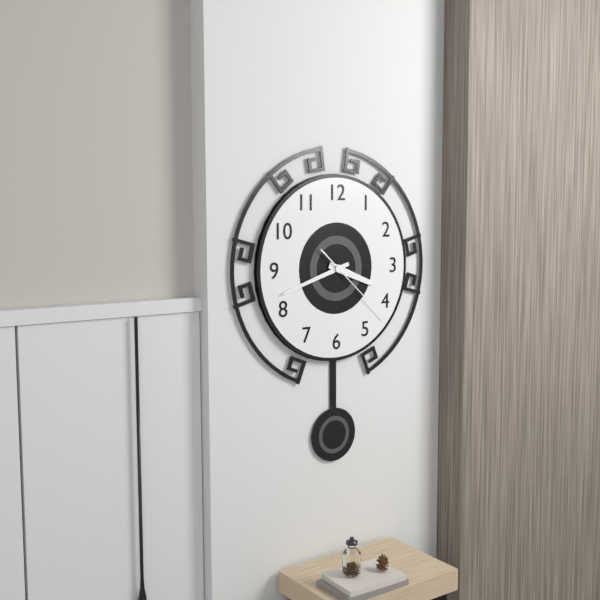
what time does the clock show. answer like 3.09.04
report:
3.42.22
